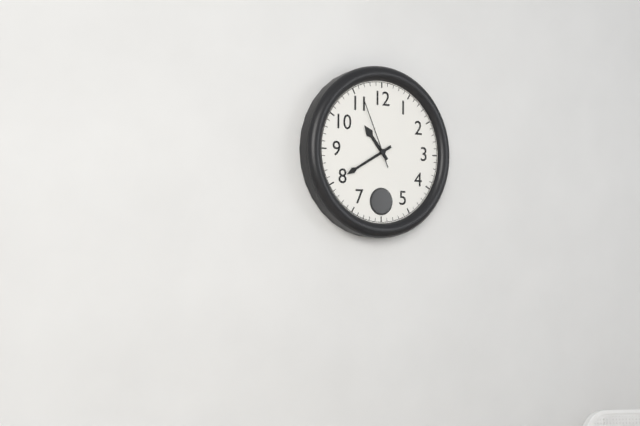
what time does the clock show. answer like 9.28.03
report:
10.40.56
